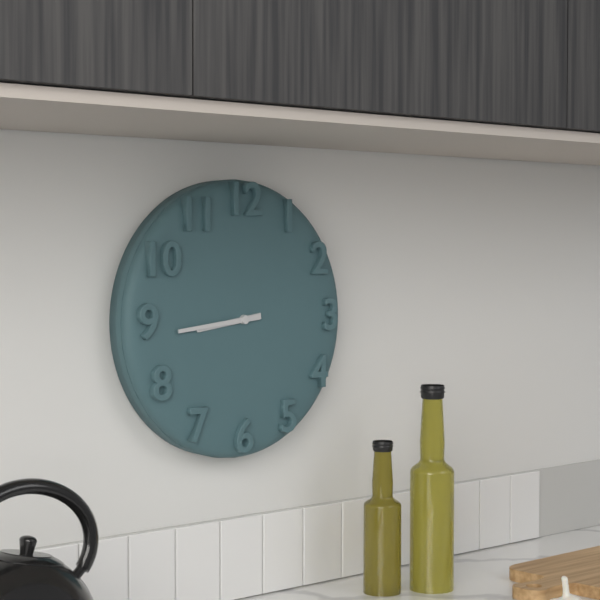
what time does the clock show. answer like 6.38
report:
8.44
